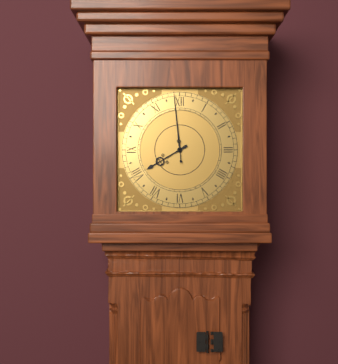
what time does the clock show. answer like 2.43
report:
7.59
